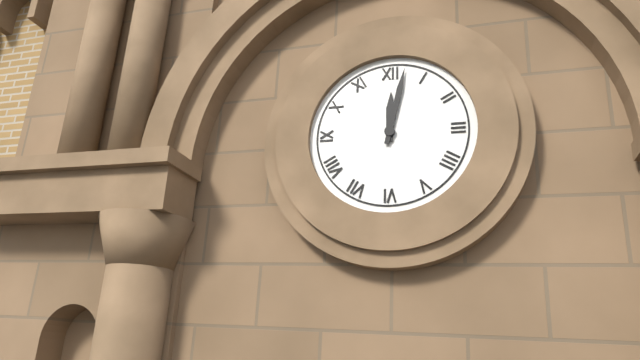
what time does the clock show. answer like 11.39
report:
12.02
